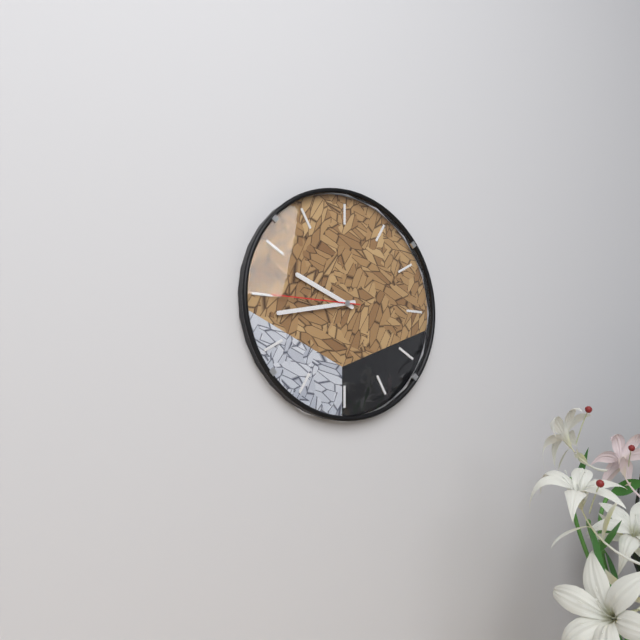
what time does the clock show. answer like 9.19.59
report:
9.43.45
